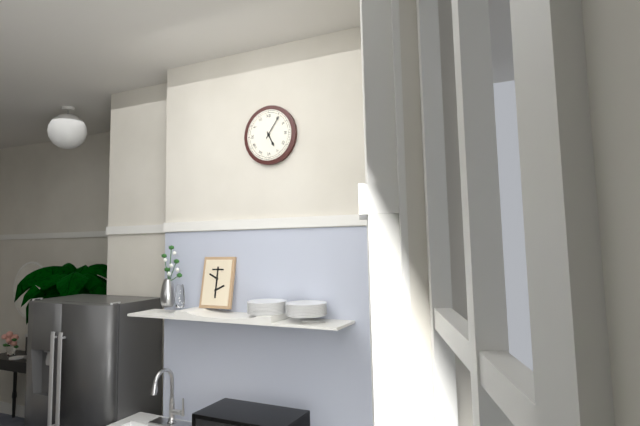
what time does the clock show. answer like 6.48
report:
5.06
